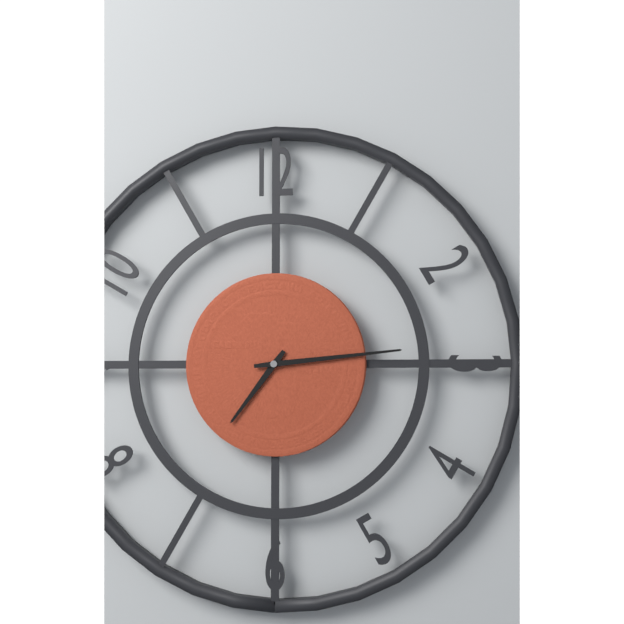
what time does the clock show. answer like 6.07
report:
7.14
